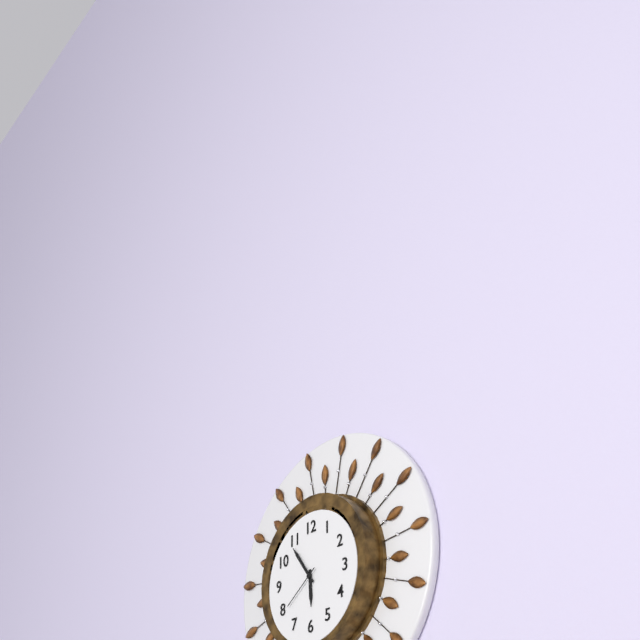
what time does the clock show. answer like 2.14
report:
5.54
